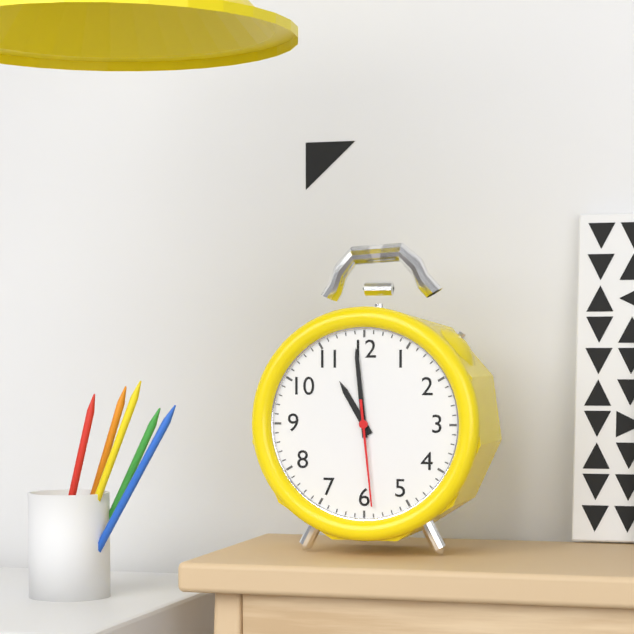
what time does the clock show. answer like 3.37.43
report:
10.59.29
